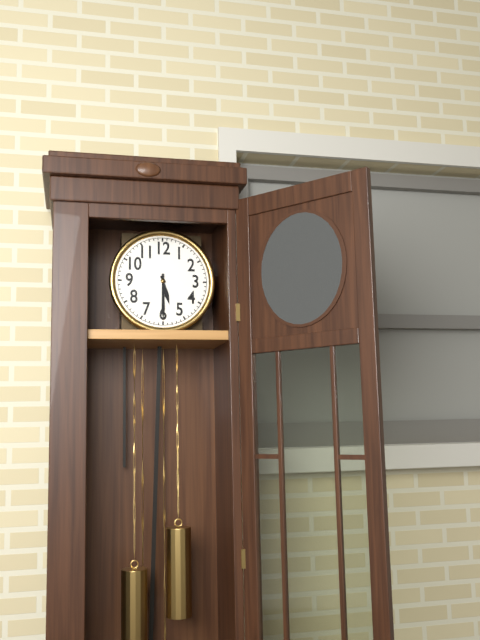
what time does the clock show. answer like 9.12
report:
5.30
